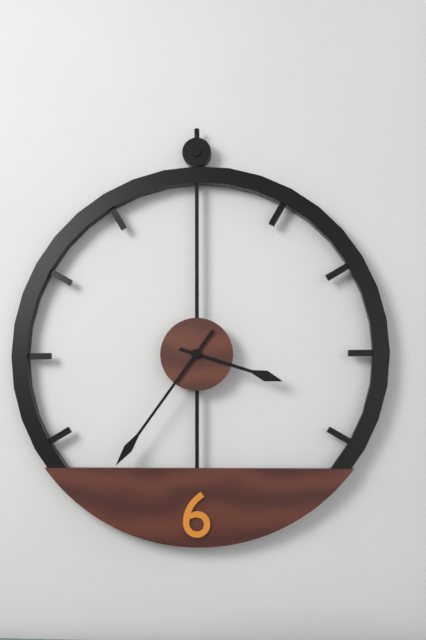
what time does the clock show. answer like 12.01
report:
3.36
